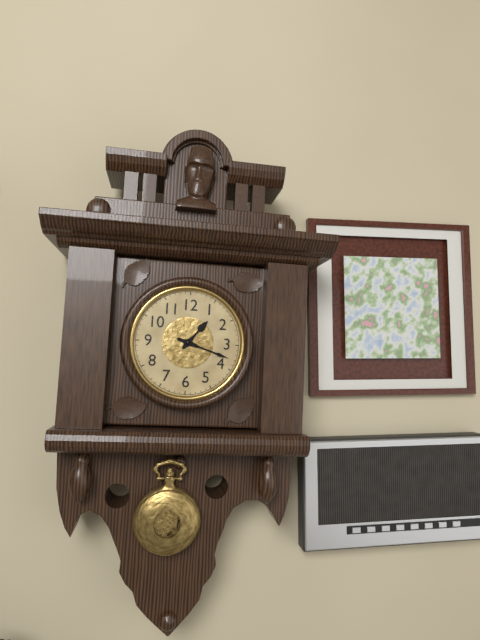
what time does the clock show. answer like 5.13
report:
1.18
